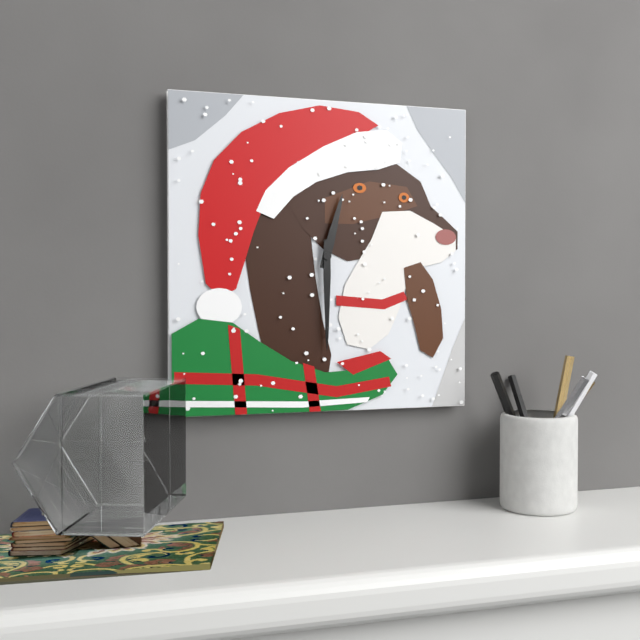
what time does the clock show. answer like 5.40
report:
12.30
